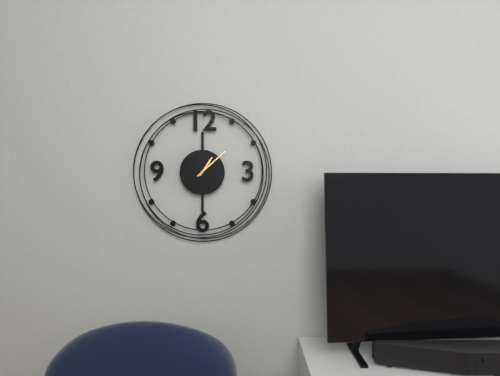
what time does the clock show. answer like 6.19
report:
1.08
